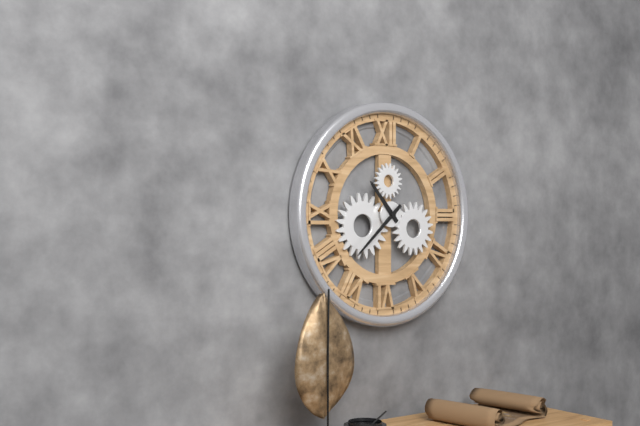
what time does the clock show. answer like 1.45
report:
10.38
